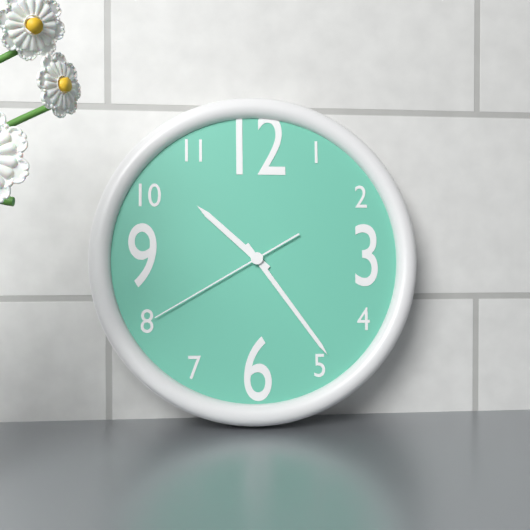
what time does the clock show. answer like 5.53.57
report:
10.24.40
